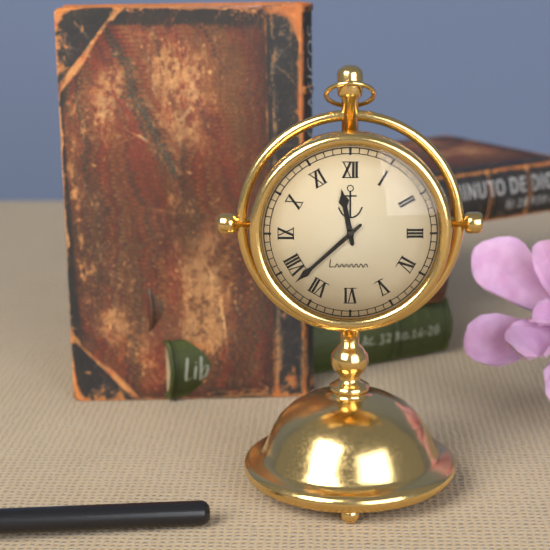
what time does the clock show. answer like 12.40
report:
11.38
